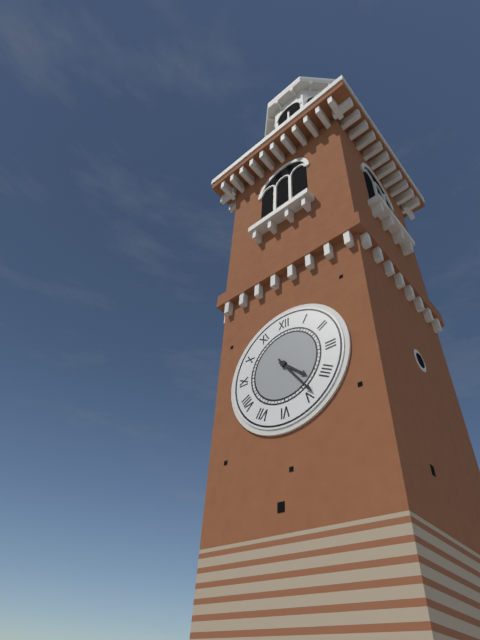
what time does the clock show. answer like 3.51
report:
4.24
